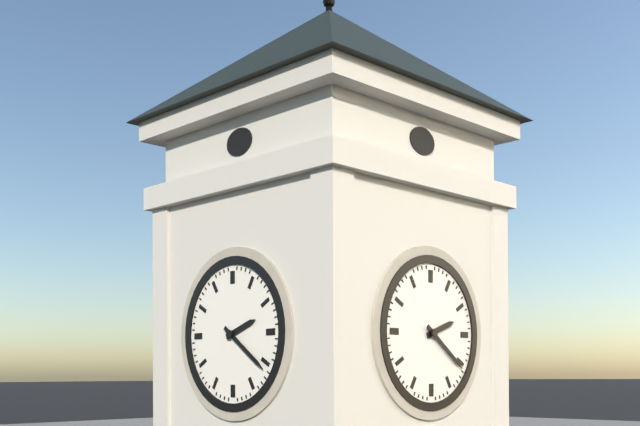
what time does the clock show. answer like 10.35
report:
2.21
